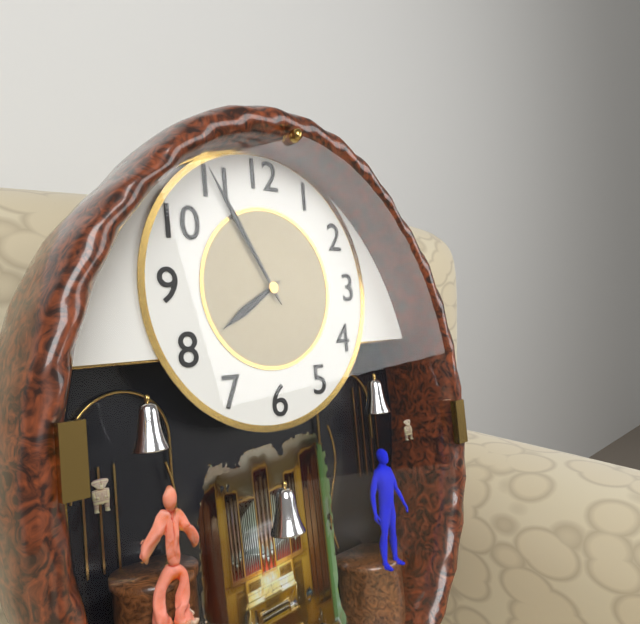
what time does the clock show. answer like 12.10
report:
7.55
